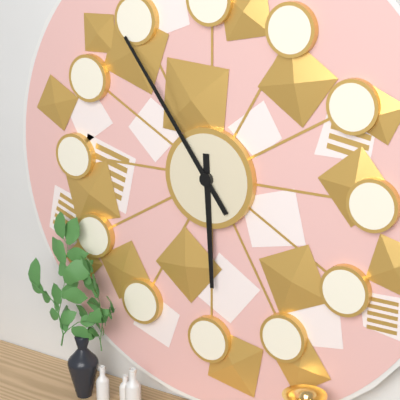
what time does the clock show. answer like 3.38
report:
5.54
